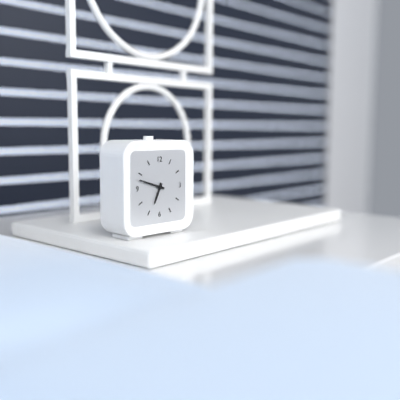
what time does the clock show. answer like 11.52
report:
6.48
